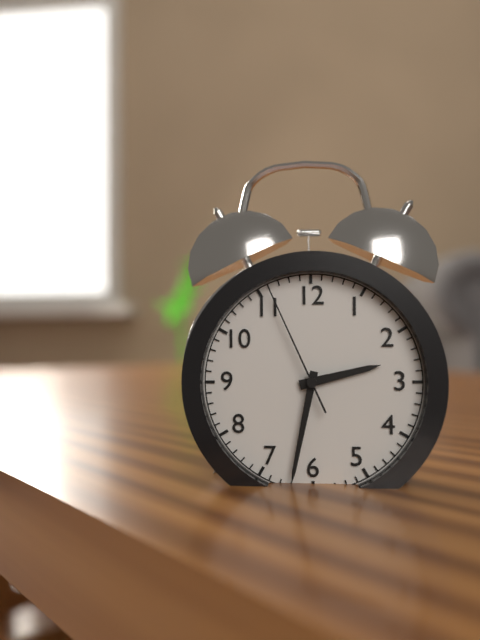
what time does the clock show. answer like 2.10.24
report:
2.32.56
